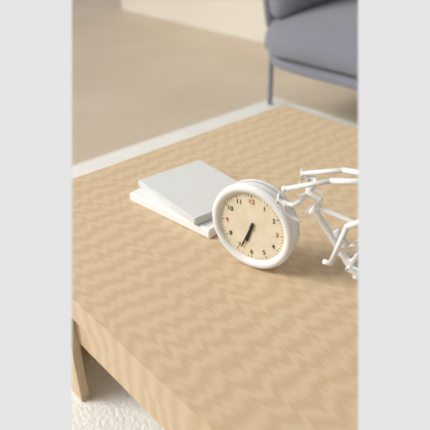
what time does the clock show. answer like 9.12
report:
6.34
